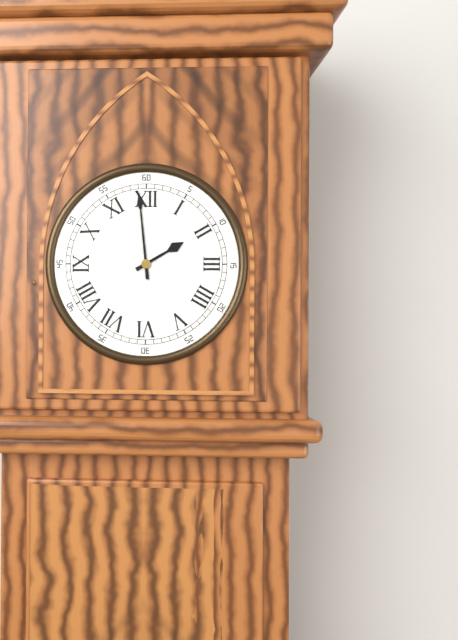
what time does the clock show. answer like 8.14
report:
1.59
